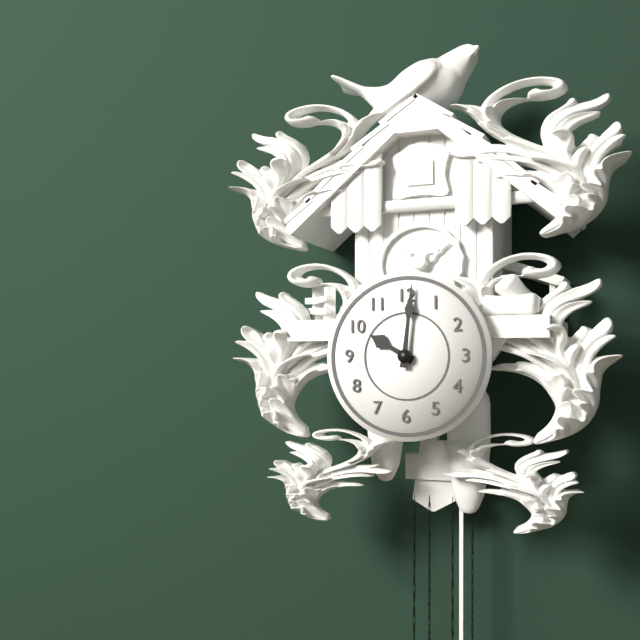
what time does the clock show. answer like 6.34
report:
10.01
